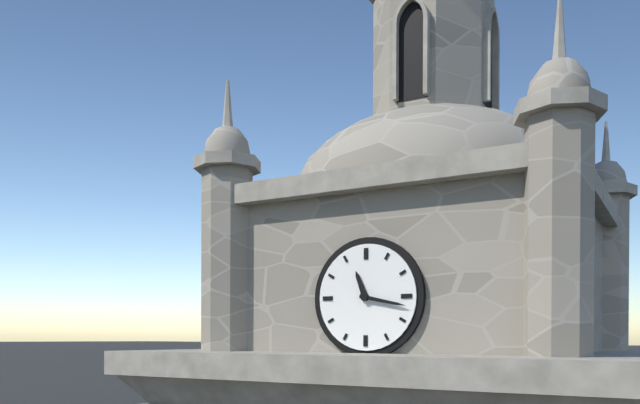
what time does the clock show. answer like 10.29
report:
11.17
